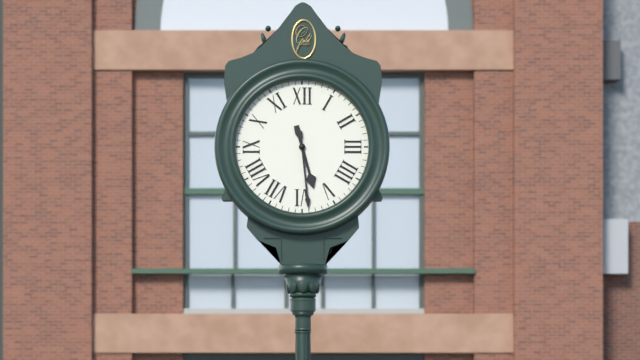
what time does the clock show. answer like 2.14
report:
5.29
